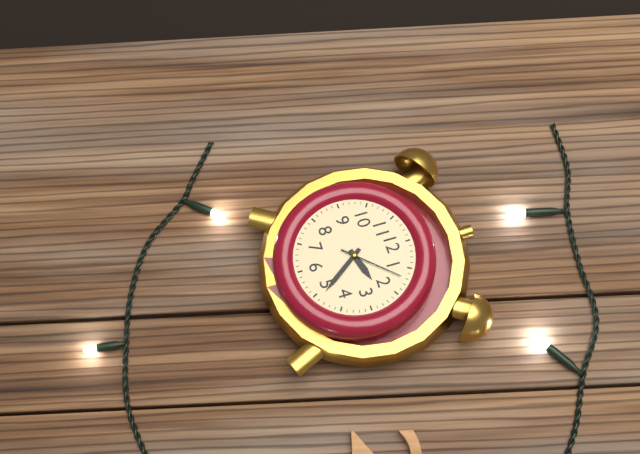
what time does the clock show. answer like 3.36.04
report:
2.24.07
